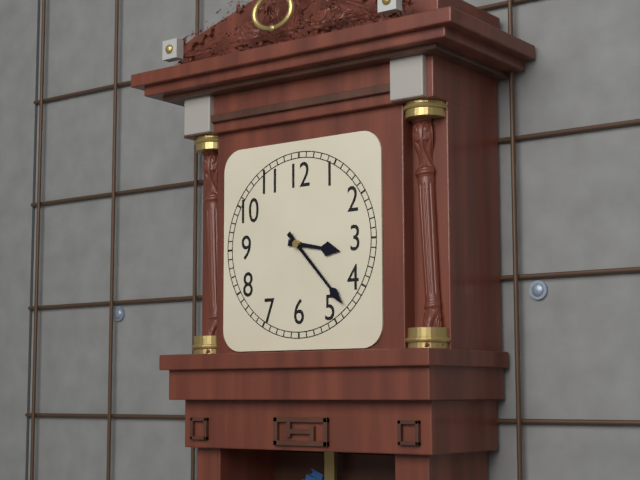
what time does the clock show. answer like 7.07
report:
3.23
